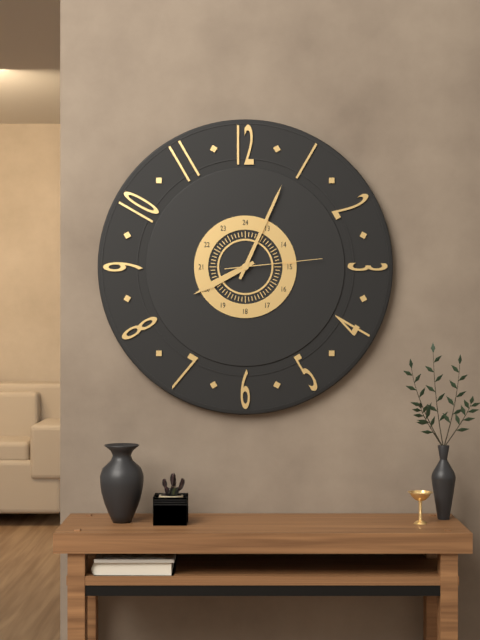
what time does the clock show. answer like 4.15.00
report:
8.04.14
